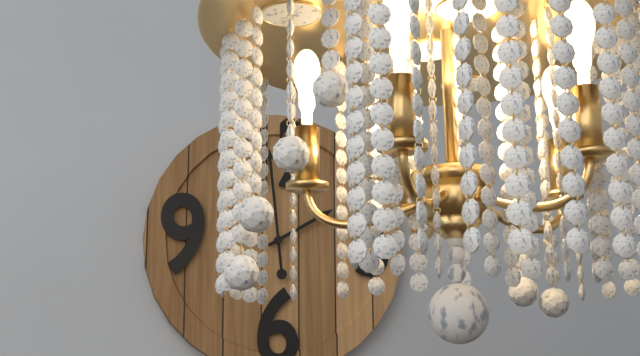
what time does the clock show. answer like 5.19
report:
1.59
